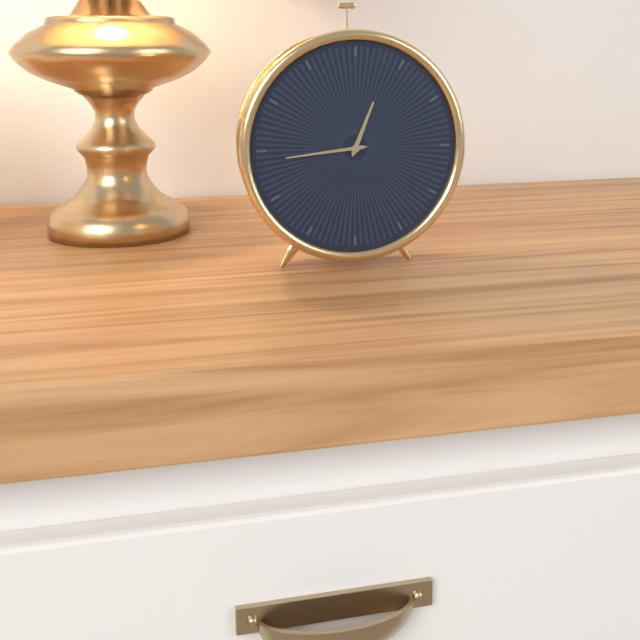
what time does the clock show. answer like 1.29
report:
12.44
